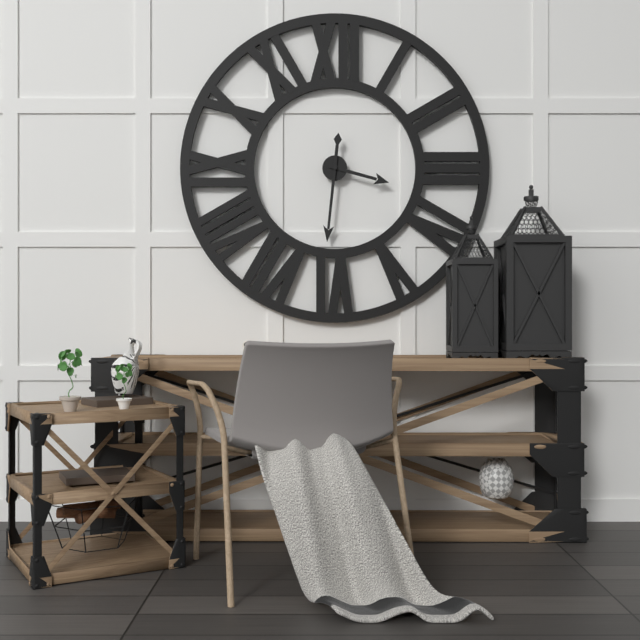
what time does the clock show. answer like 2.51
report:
3.31
